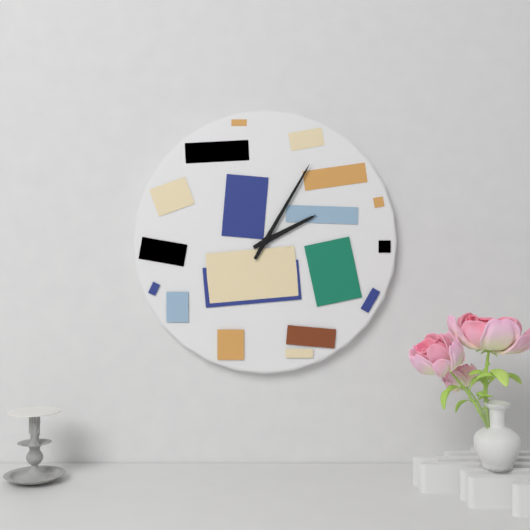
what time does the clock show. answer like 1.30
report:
2.05
